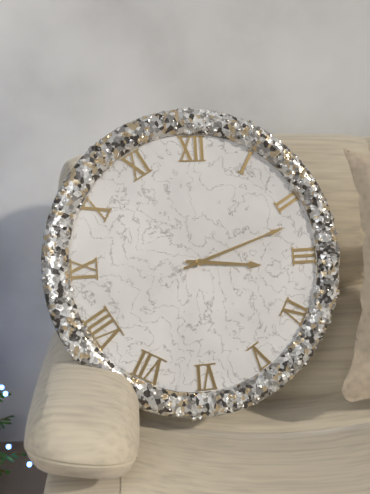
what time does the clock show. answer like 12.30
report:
3.12
